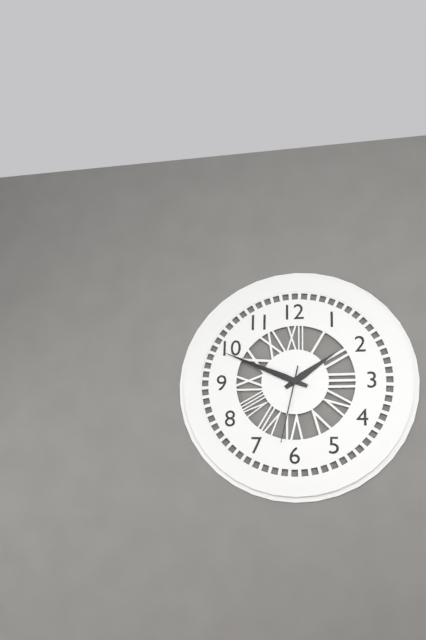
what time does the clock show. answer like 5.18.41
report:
1.49.32
